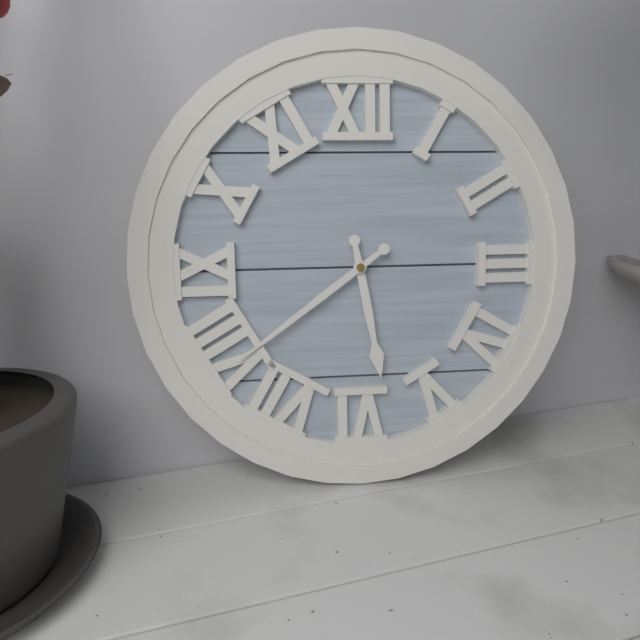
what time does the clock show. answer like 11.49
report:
5.39
